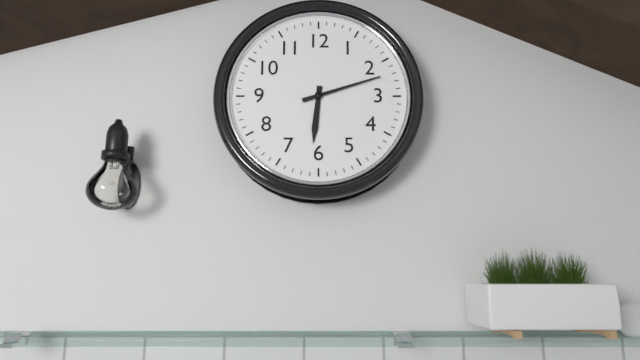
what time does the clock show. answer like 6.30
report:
6.12
